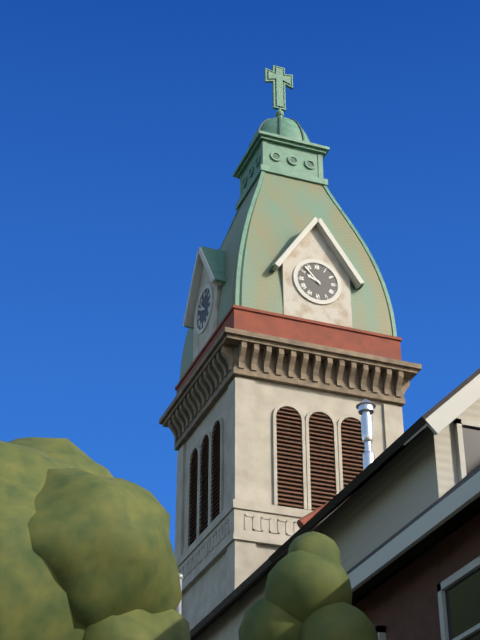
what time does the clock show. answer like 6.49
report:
9.53
